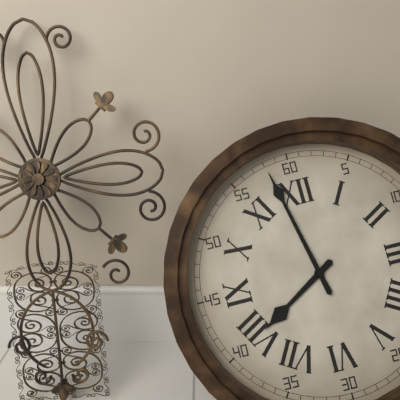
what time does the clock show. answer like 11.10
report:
7.58
